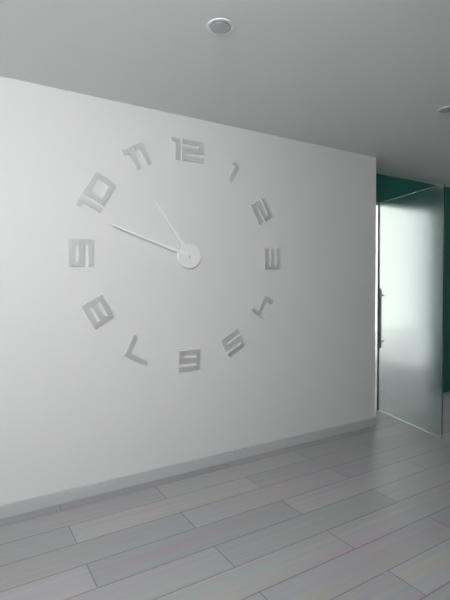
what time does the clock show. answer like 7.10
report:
10.48
